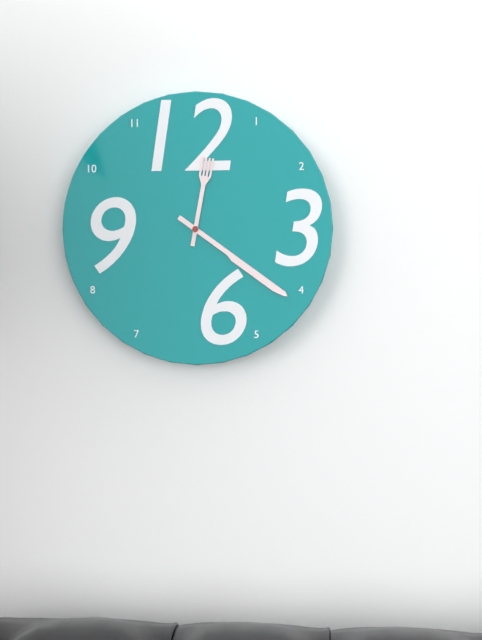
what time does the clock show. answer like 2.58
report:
12.21
